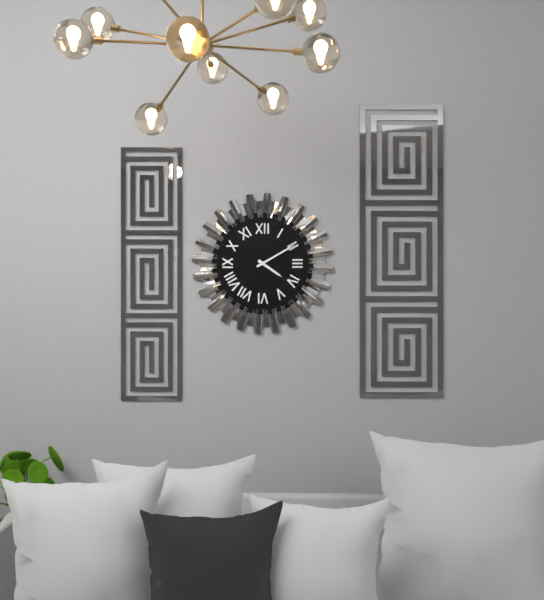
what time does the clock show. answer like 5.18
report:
4.10
